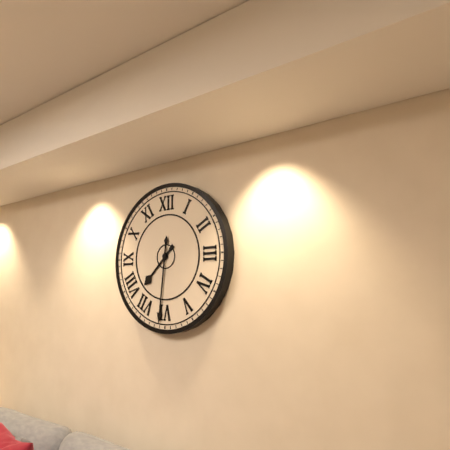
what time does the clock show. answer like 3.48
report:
7.31
